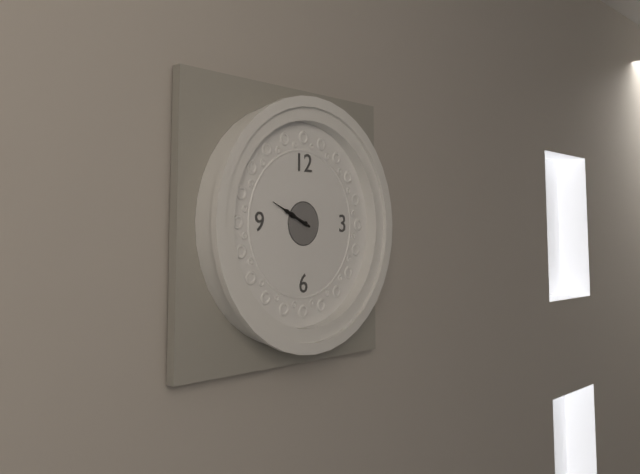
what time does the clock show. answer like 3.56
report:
9.49
